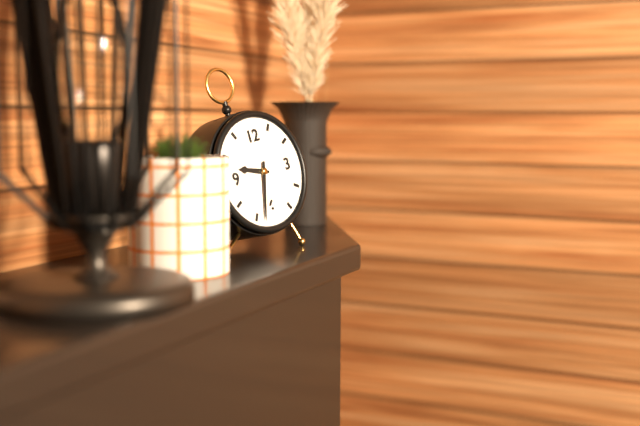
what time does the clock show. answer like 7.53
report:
9.33
